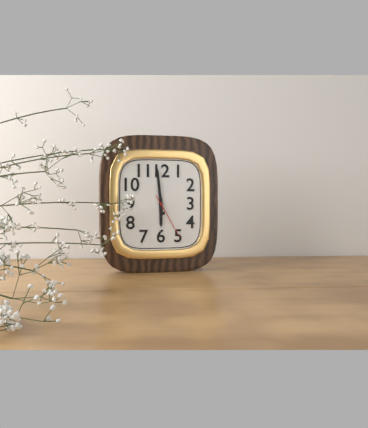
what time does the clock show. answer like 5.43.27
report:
5.59.25
